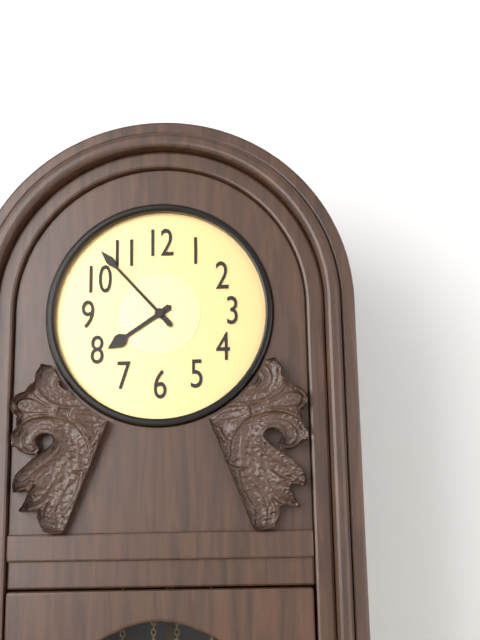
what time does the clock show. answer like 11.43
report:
7.53
